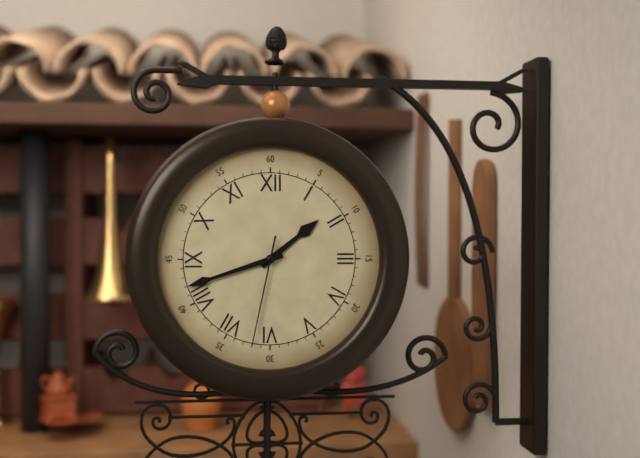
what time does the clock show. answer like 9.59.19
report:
1.42.32
